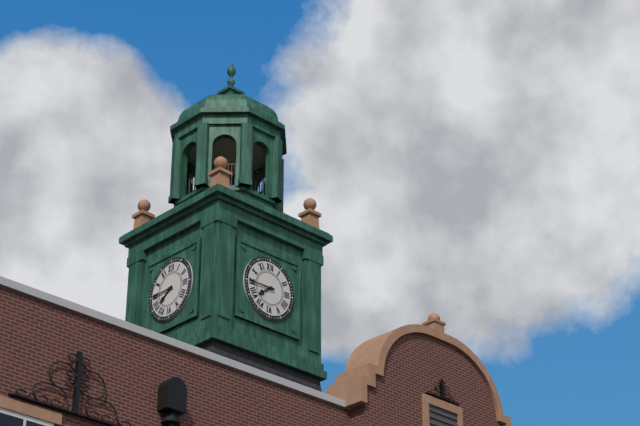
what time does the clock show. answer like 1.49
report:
7.45
